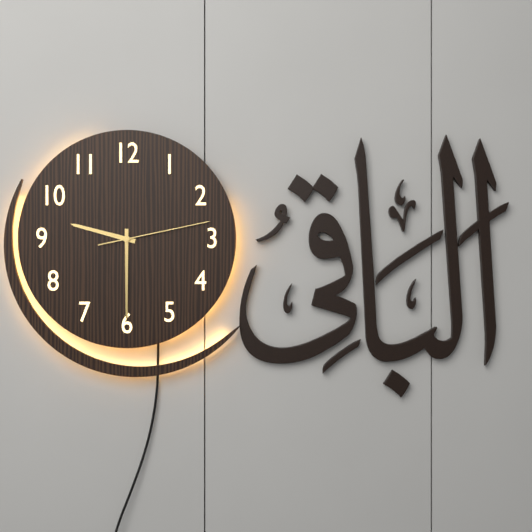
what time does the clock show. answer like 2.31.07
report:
9.30.13
